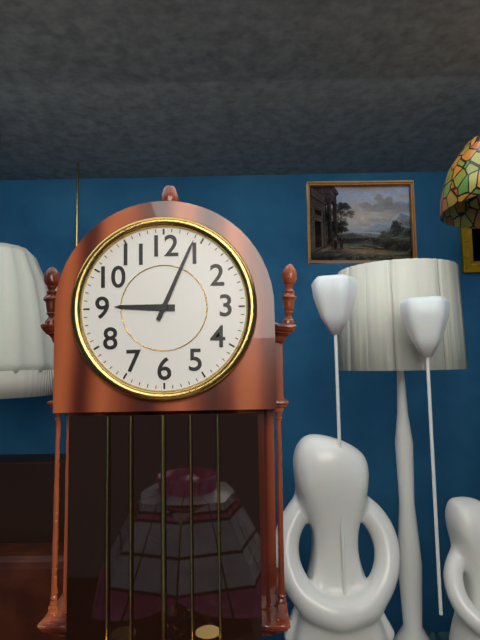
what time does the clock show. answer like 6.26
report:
9.04
